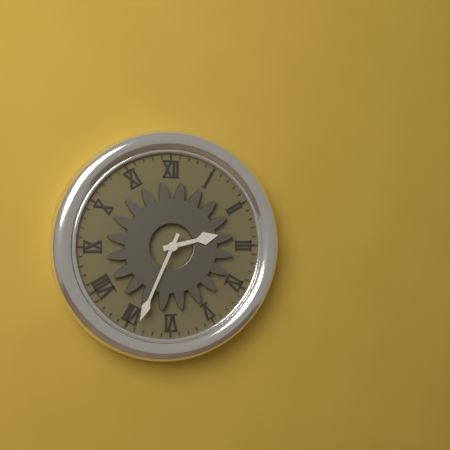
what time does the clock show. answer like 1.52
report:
2.34
